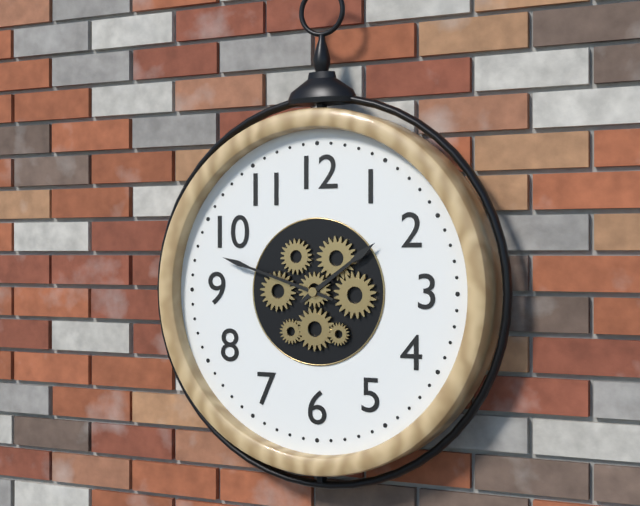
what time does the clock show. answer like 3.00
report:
1.48
